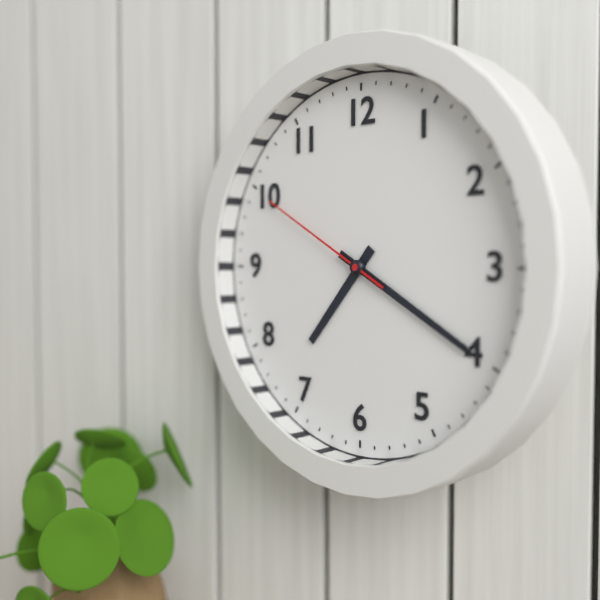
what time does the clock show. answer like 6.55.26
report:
7.20.50
